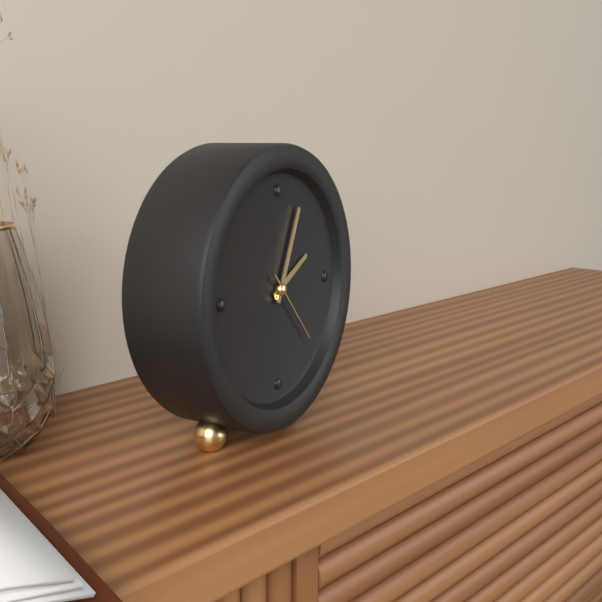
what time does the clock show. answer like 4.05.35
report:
2.04.23
